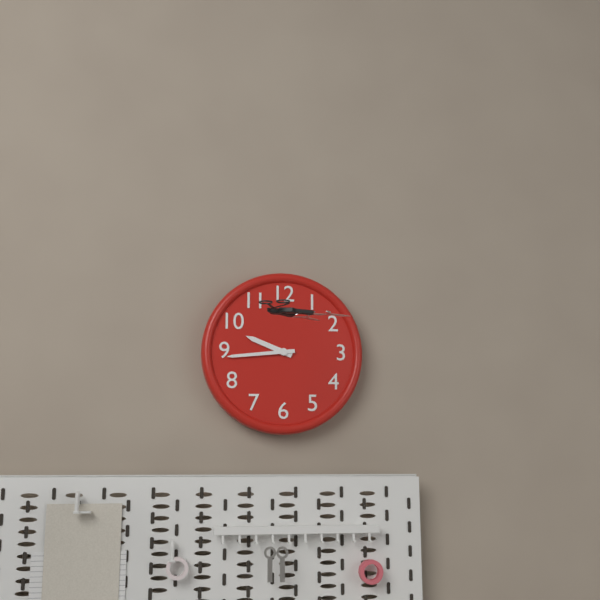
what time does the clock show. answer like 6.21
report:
9.44
